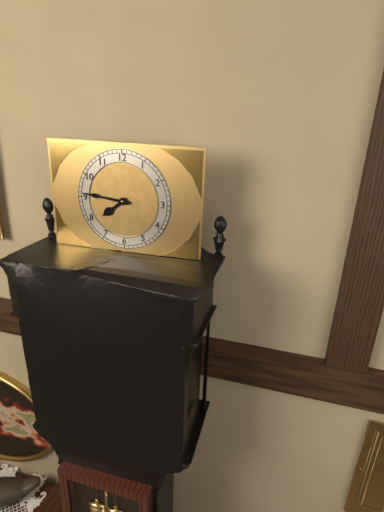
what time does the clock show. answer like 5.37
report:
7.46
